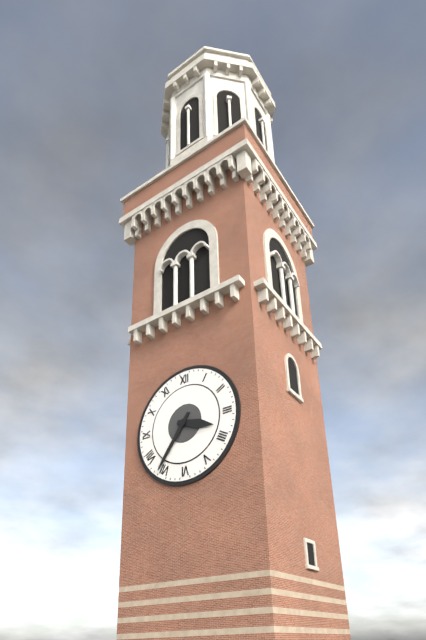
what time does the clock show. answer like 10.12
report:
3.36
